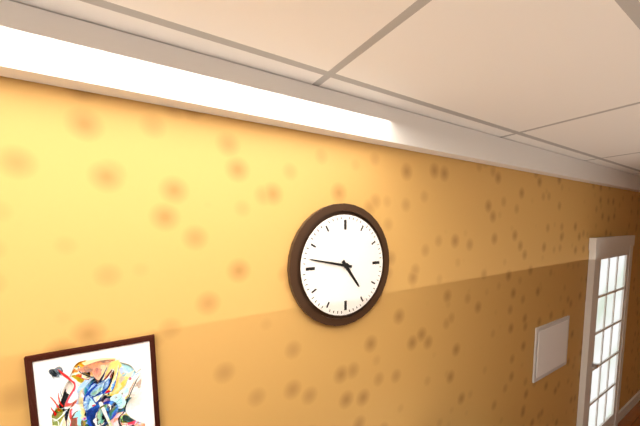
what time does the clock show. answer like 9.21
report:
4.47
